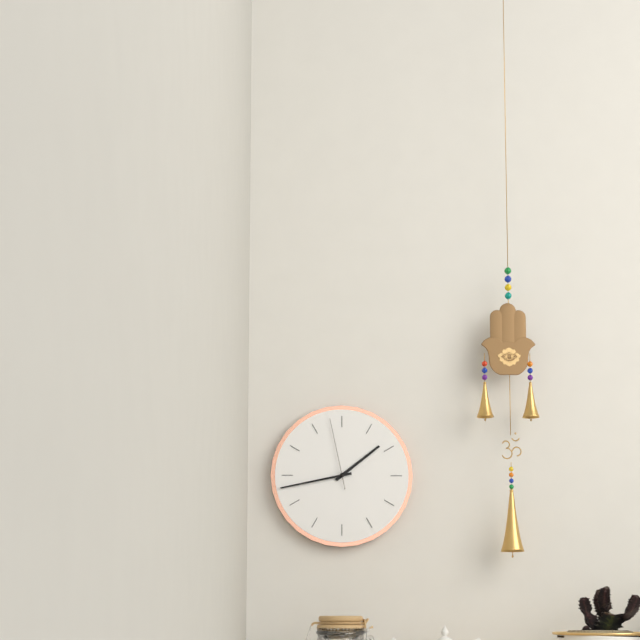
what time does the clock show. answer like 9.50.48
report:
1.43.58
